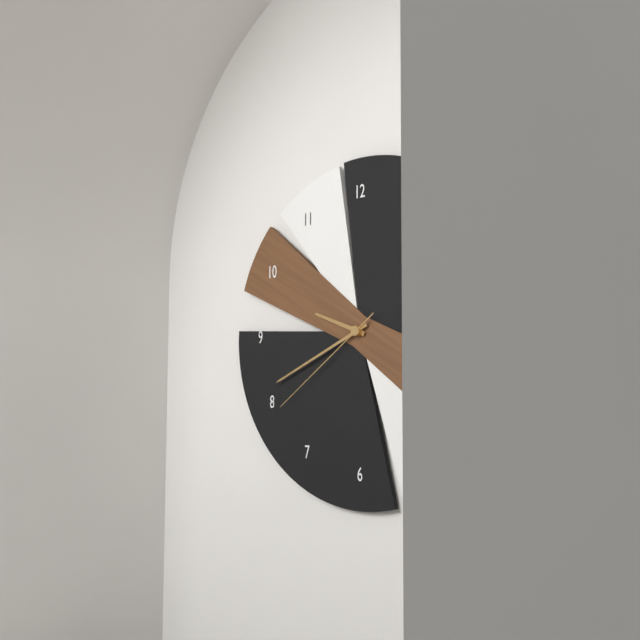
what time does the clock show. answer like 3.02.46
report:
9.41.39
